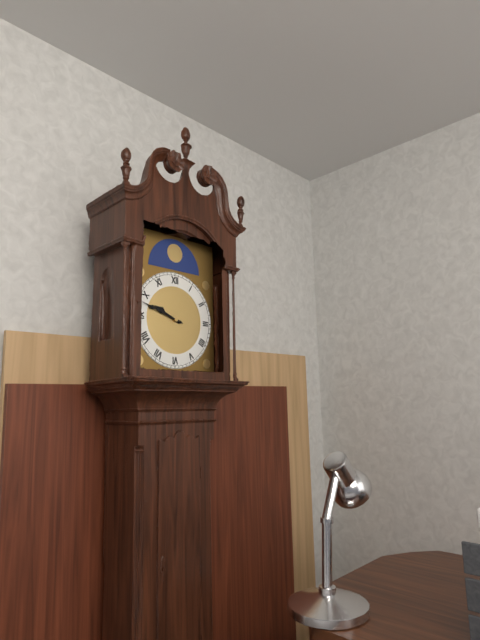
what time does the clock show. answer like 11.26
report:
9.48
